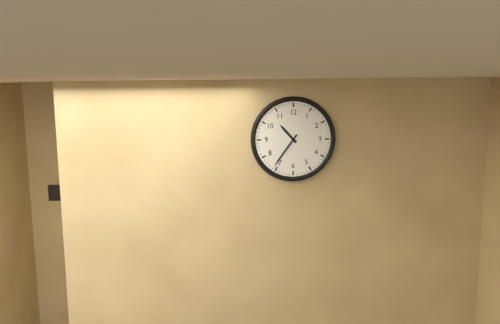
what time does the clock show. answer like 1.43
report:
10.36
